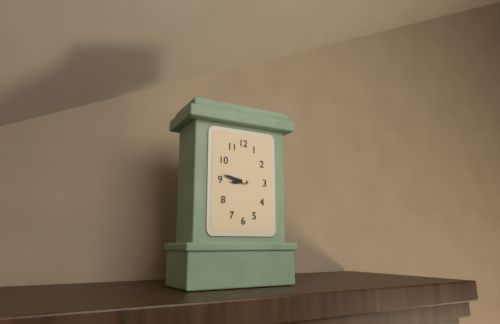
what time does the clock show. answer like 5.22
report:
8.47
